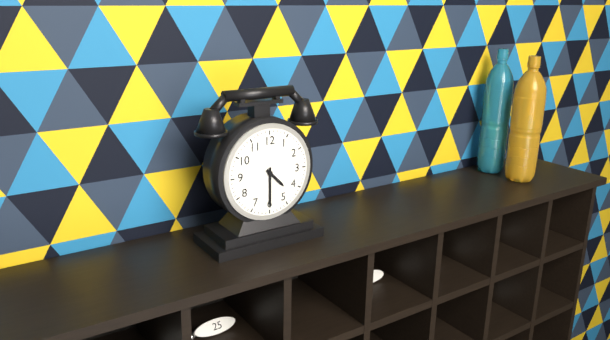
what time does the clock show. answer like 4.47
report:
4.30
